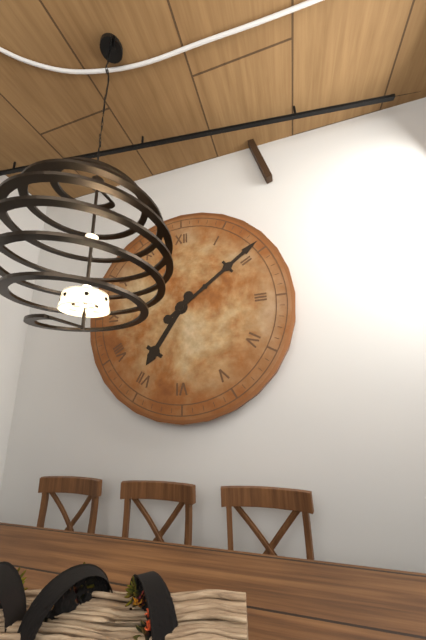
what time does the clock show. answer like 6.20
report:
7.09
